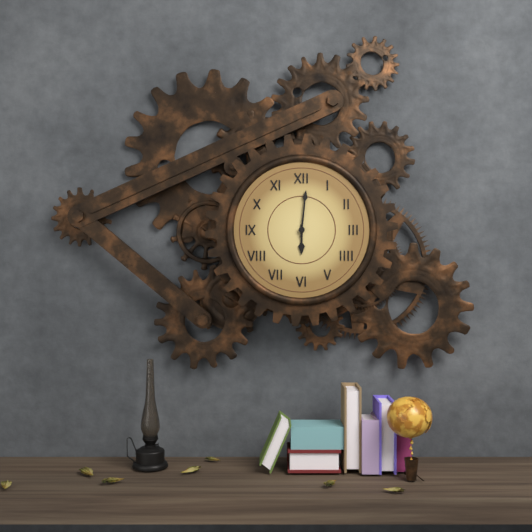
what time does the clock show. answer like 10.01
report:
6.01
